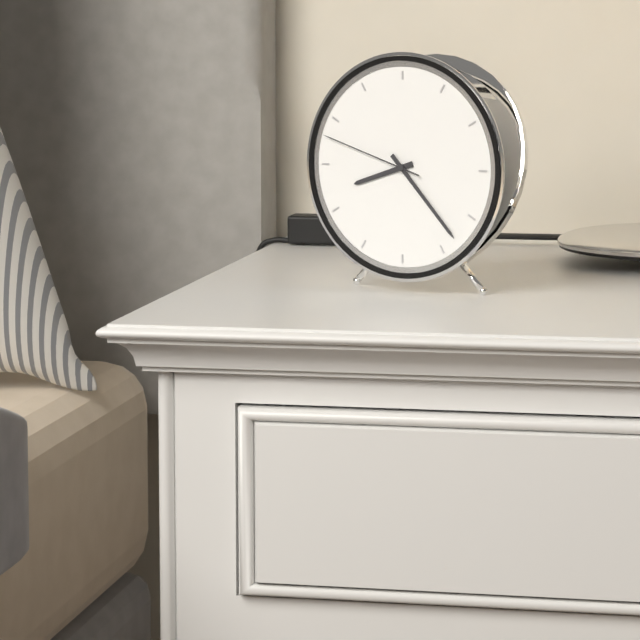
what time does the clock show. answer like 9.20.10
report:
8.23.48
